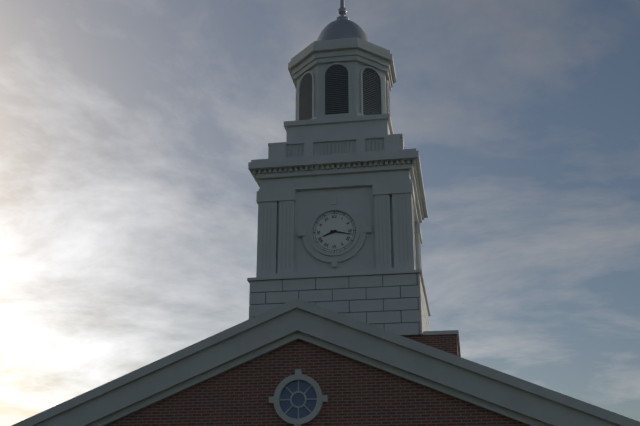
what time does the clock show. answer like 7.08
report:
8.17
